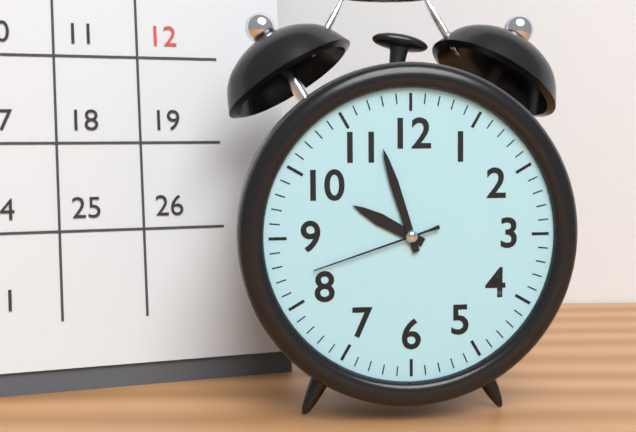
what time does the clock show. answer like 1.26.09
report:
9.57.42
